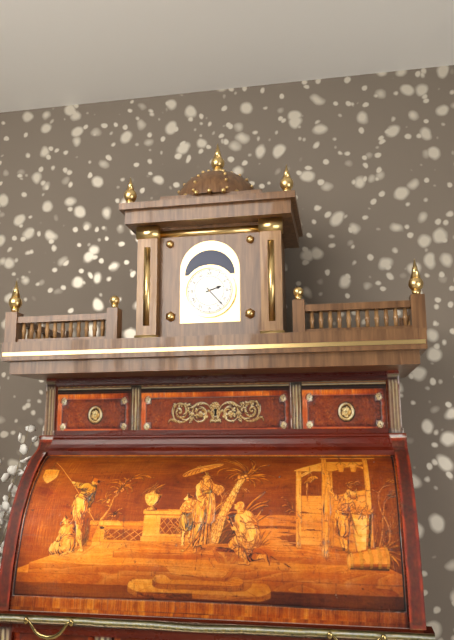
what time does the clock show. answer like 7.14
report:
2.23
